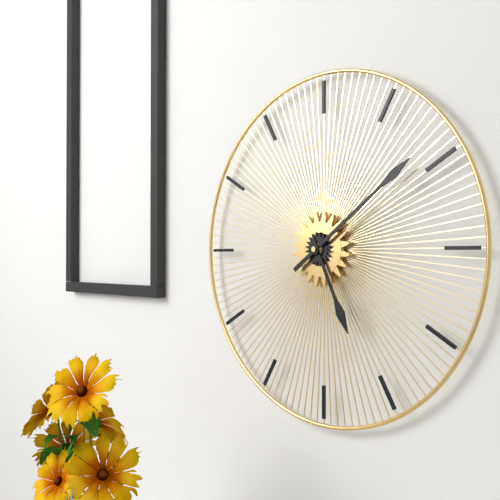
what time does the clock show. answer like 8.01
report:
5.09
